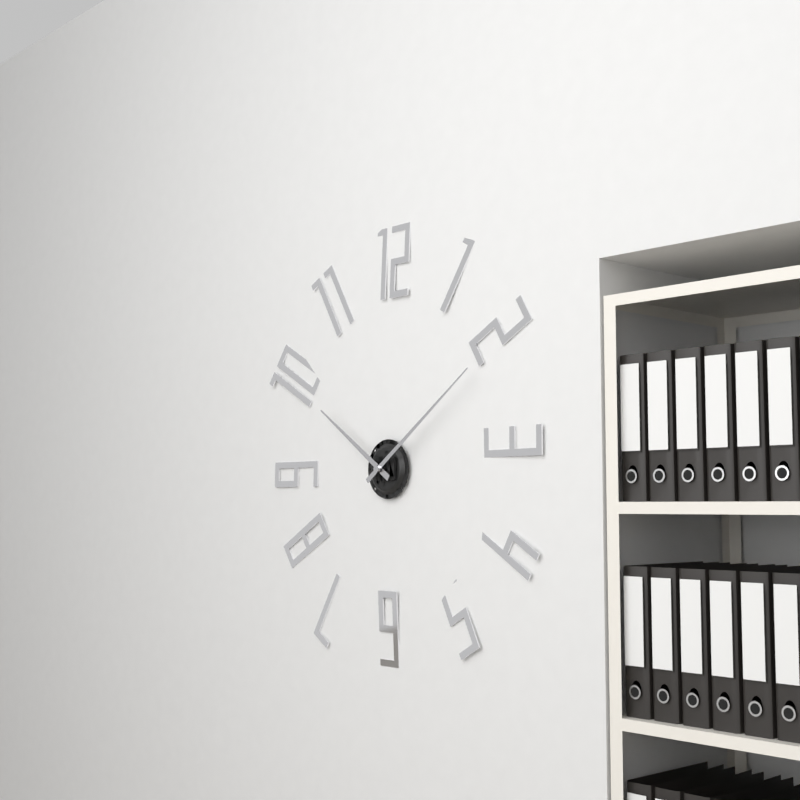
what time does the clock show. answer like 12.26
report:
10.09
